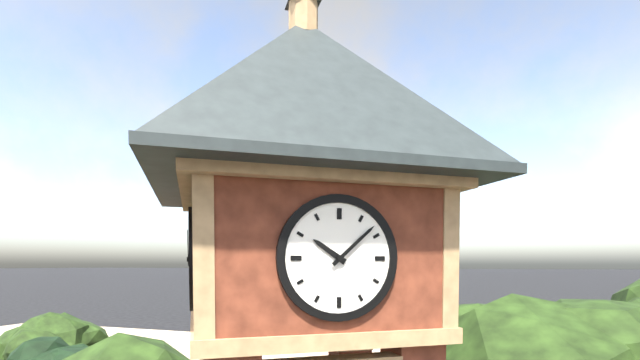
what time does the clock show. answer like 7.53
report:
10.08
